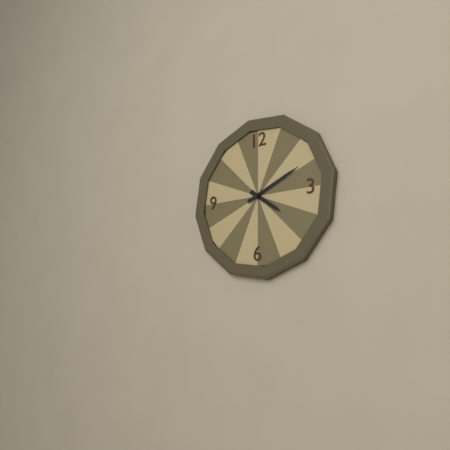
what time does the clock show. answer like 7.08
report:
4.11
